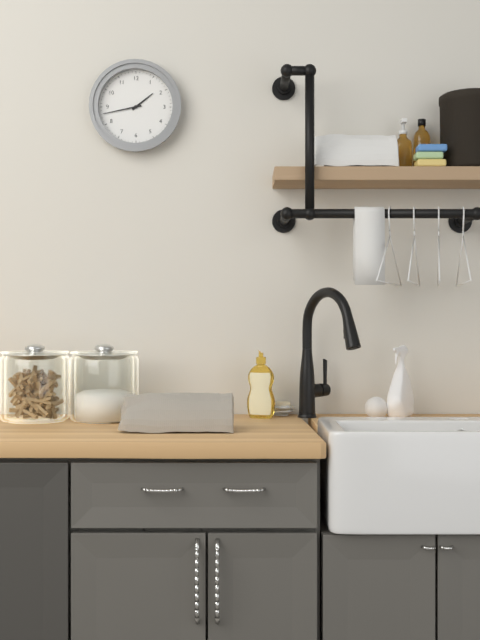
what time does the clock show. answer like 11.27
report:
1.43
